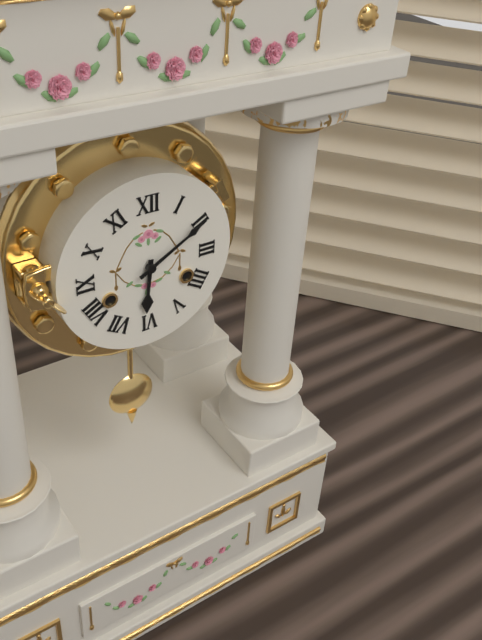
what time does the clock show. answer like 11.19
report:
6.10
